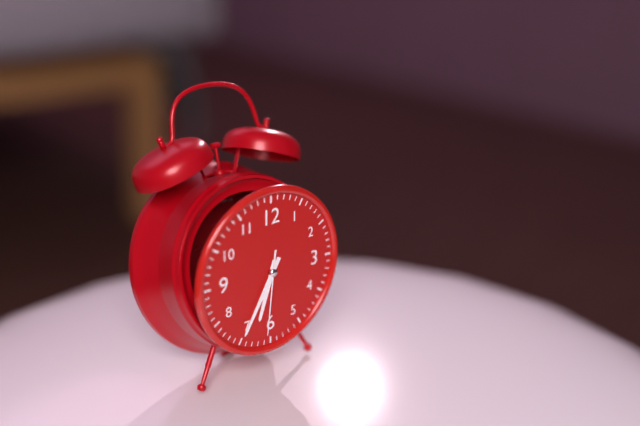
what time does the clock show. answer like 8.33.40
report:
6.35.31
